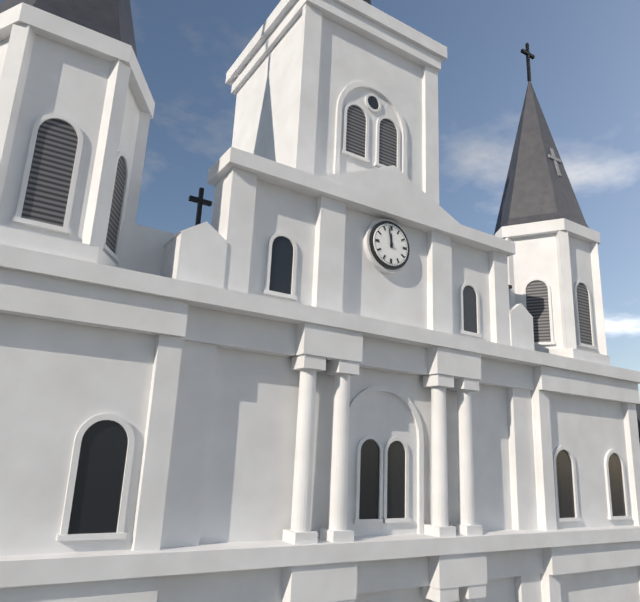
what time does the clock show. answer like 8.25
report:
11.58
